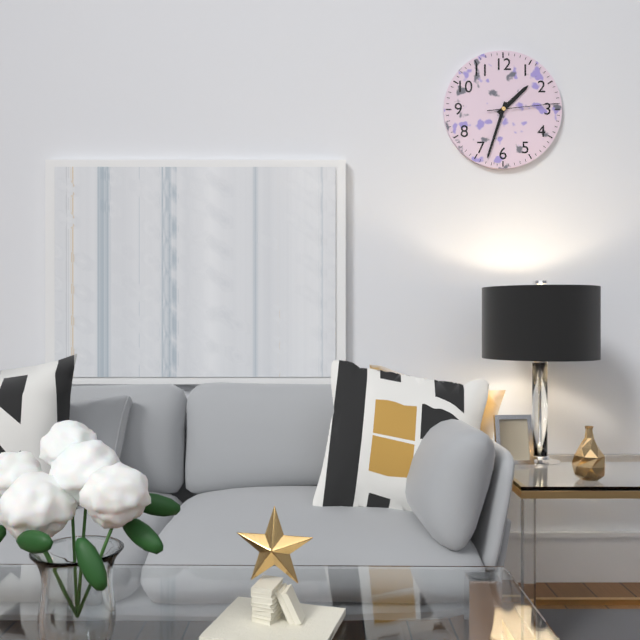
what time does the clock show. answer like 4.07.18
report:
1.33.14
